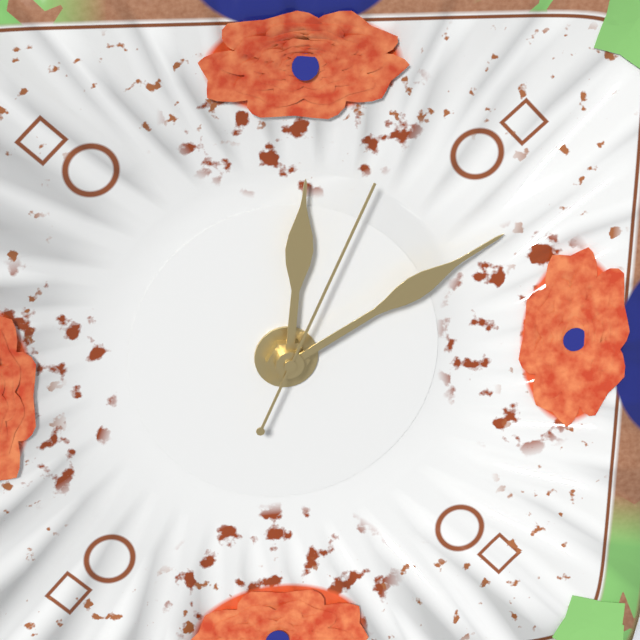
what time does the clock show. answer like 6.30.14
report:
12.10.04
